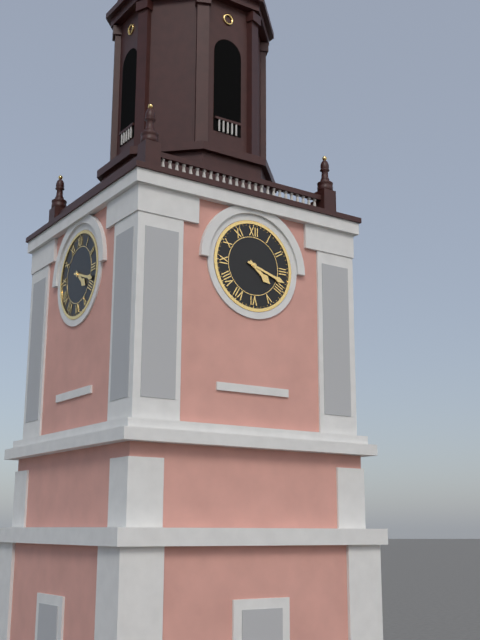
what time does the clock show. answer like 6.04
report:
4.18
